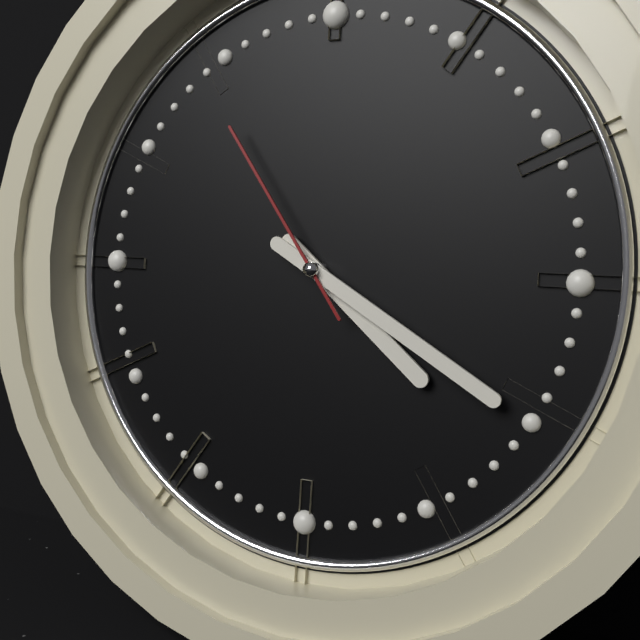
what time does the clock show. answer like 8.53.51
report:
4.20.54
